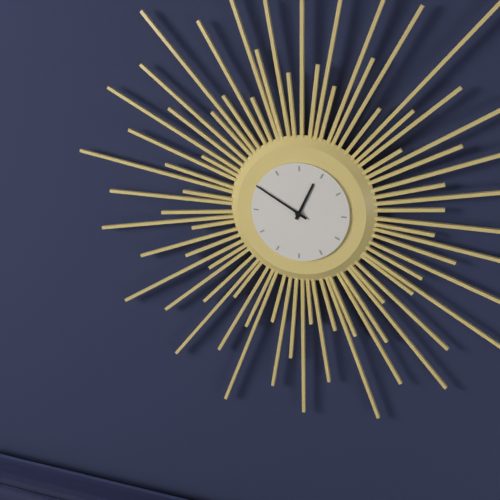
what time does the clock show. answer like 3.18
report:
12.50
